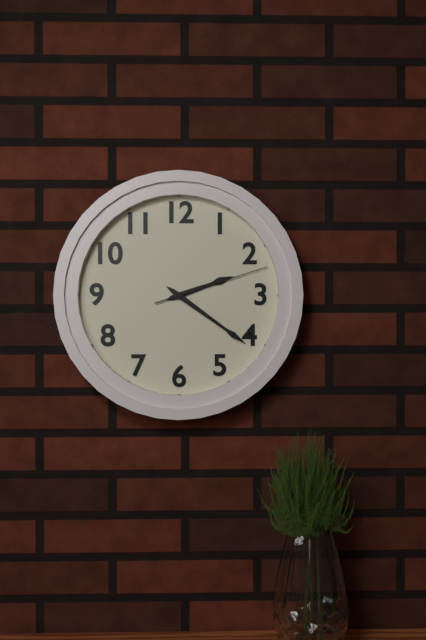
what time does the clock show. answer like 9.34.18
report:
2.21.12
